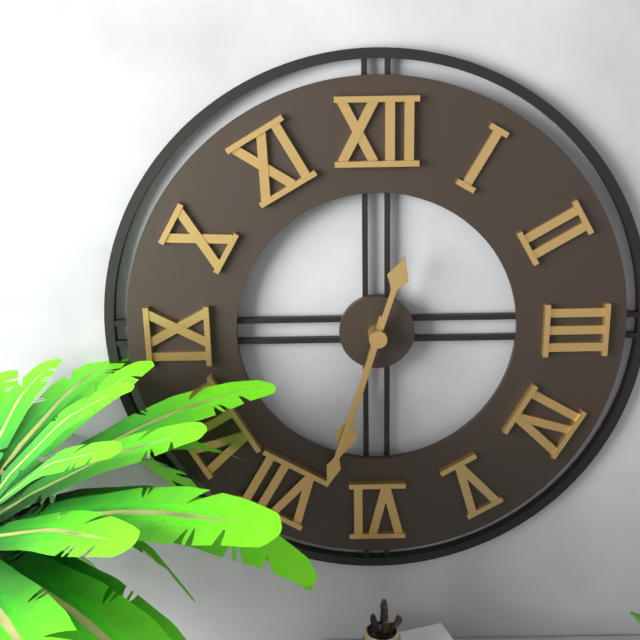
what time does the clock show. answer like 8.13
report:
6.33
